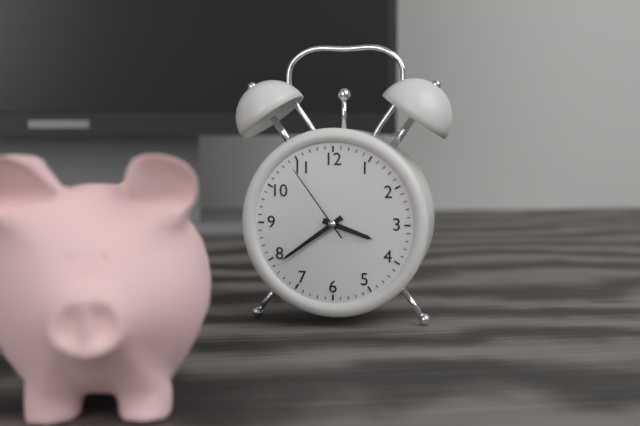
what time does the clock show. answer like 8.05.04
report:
3.39.54
